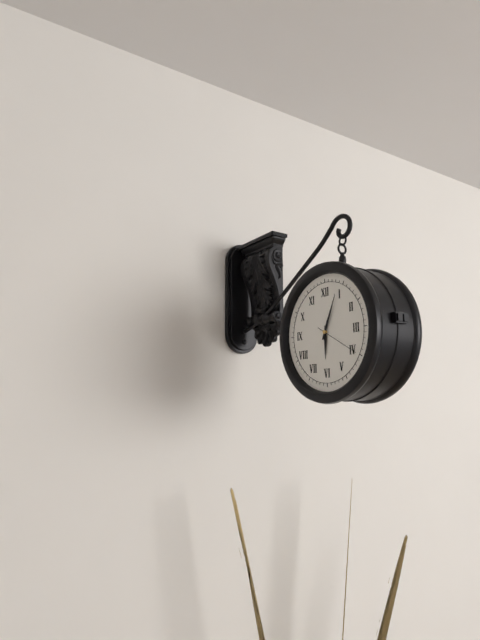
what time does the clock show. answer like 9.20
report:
6.04
